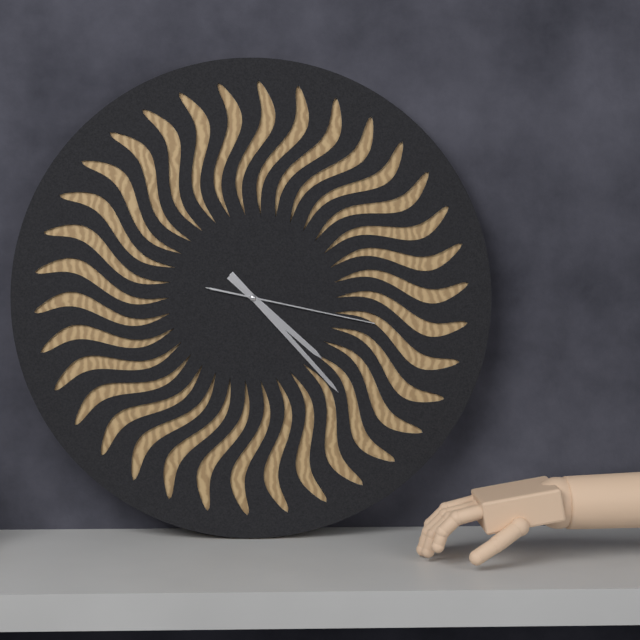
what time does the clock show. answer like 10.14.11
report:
4.23.17
